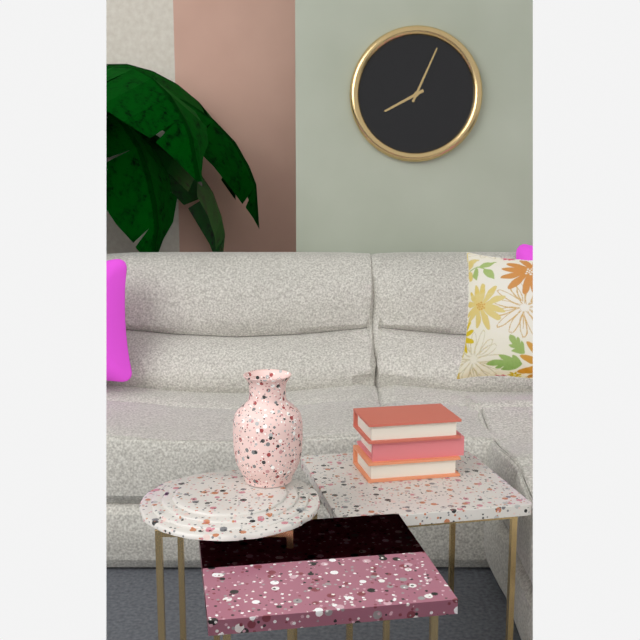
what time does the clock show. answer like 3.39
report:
8.04
